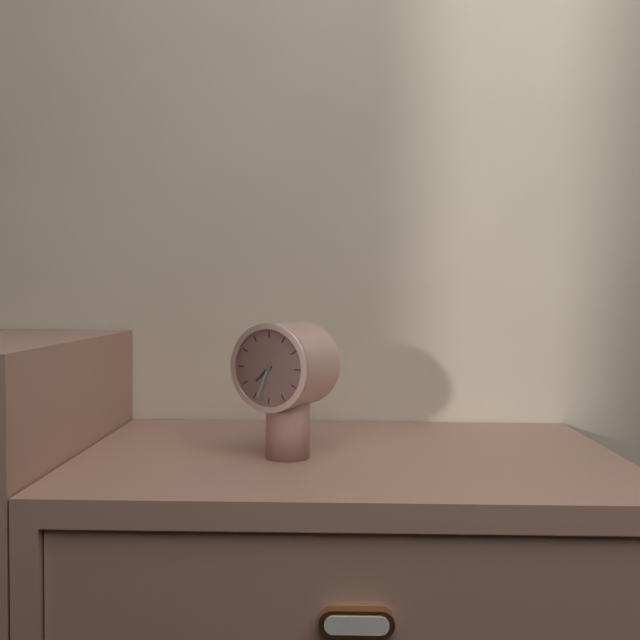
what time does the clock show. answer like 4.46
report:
7.34
